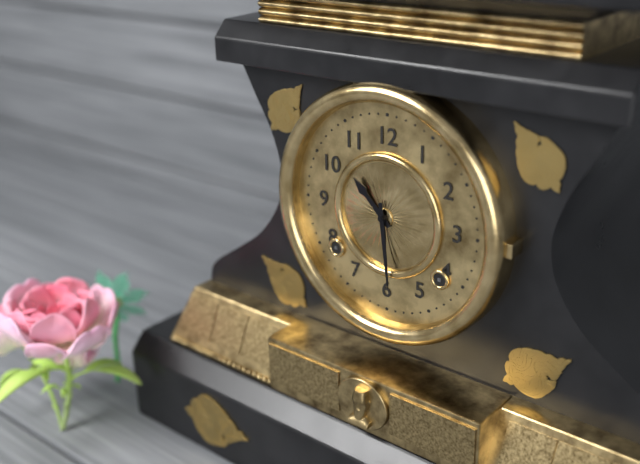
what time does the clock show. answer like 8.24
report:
10.29
